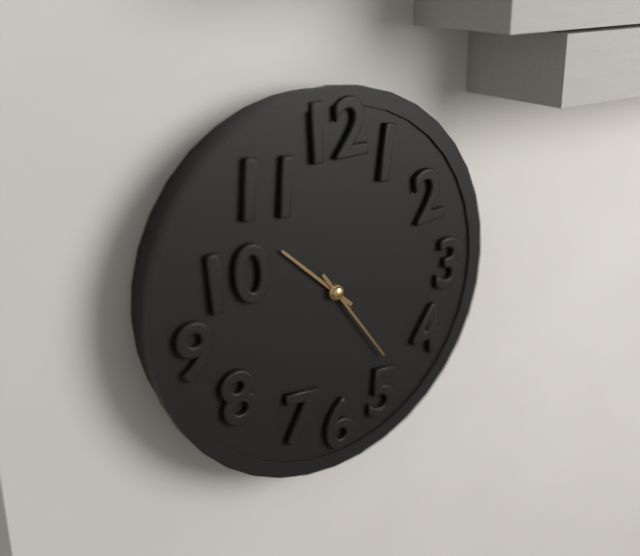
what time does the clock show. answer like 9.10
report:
10.24
